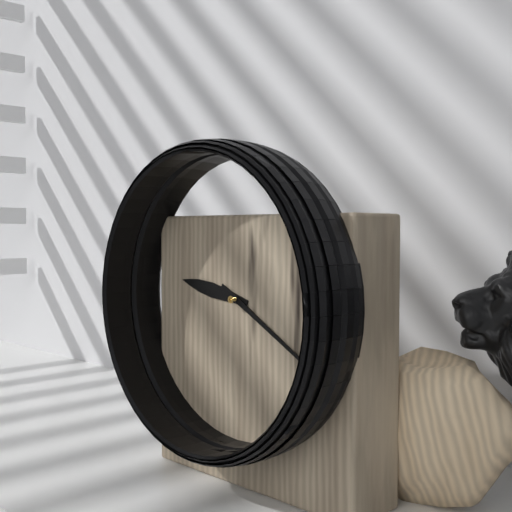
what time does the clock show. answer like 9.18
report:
9.20
